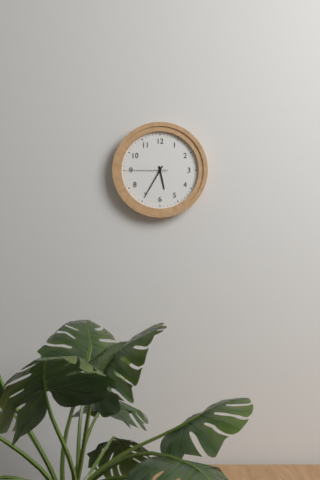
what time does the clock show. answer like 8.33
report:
5.35
